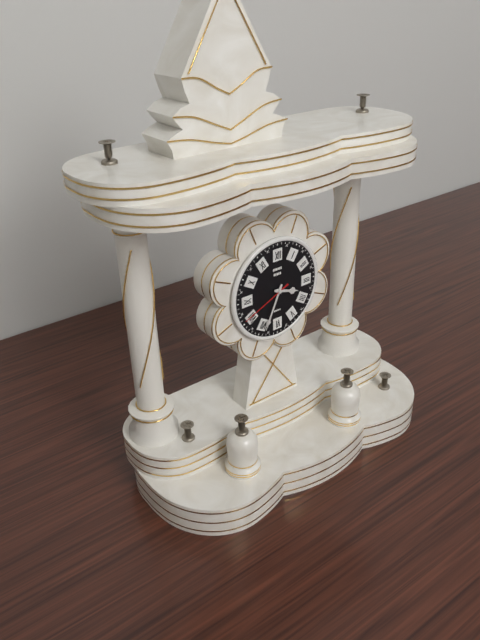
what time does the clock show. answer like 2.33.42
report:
3.34.41
